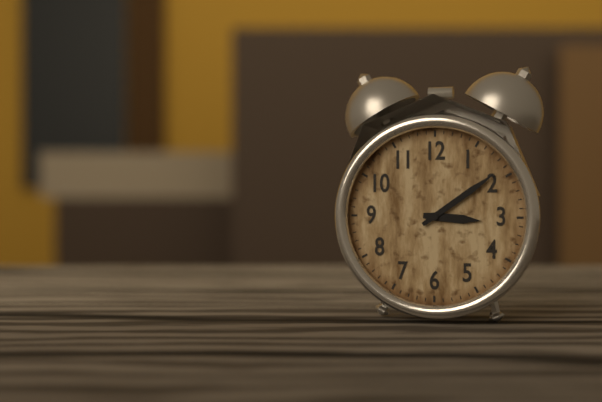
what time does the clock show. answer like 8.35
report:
3.09
